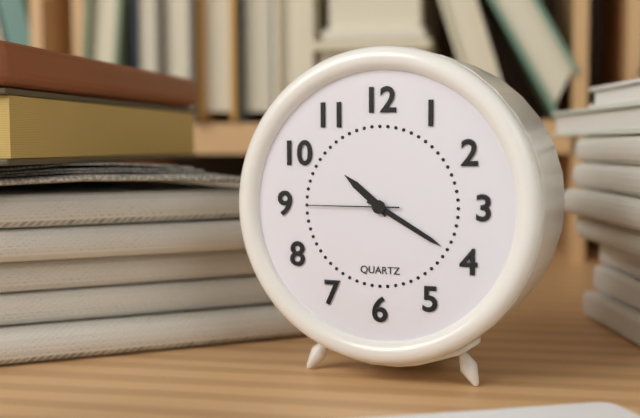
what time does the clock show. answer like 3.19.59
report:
10.20.45
